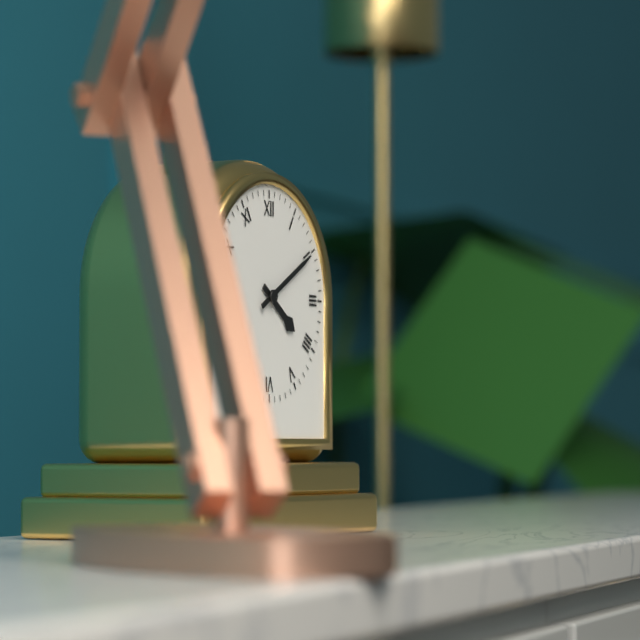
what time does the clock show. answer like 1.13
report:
4.10
